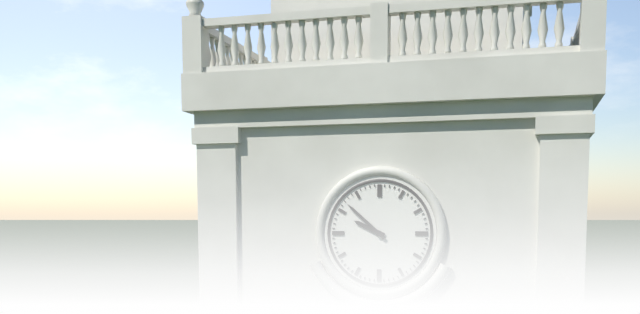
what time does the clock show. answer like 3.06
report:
9.52
